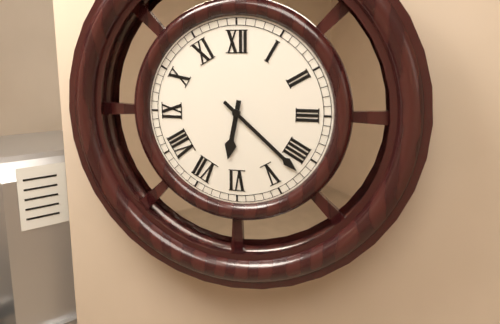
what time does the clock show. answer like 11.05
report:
6.22
